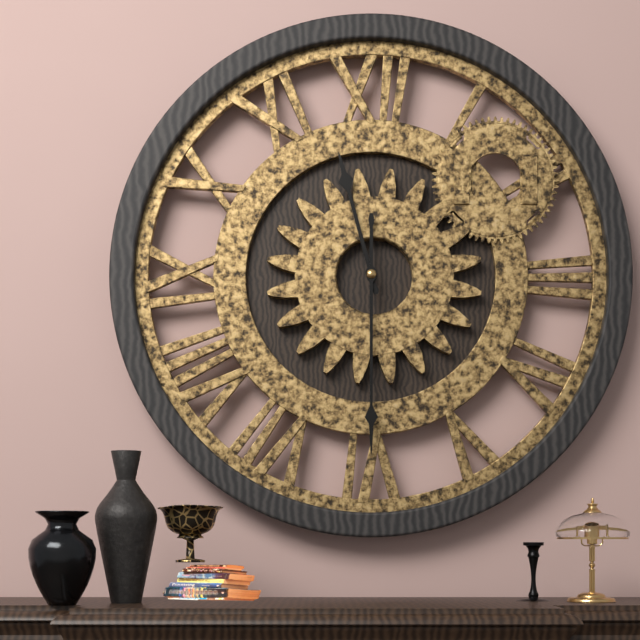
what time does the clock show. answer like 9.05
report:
11.30
